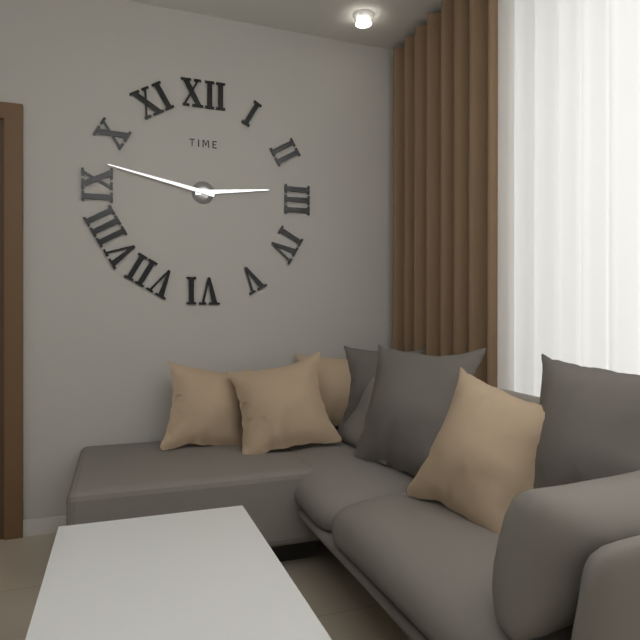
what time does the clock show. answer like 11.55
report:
2.47
